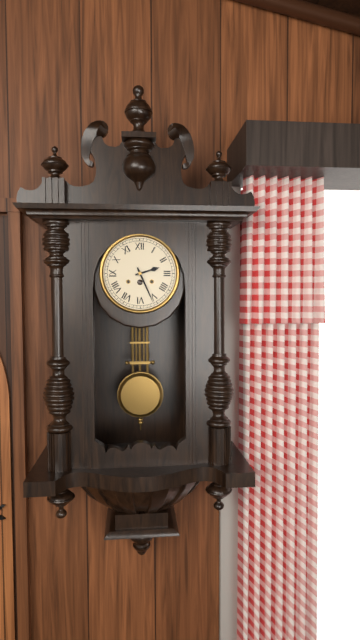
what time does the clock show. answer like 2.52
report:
2.26
